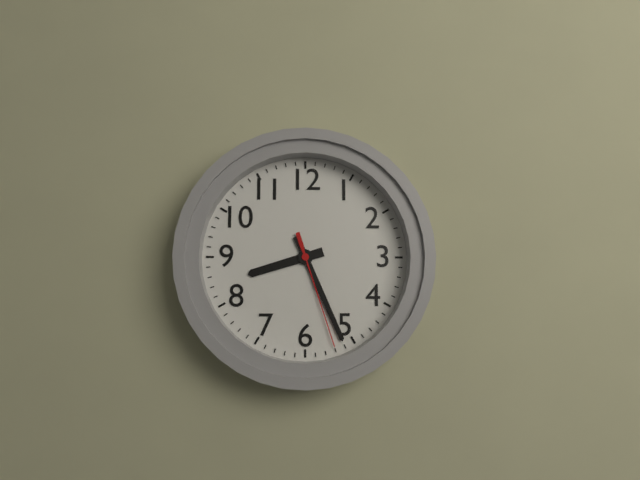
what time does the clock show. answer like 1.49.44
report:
8.26.27
